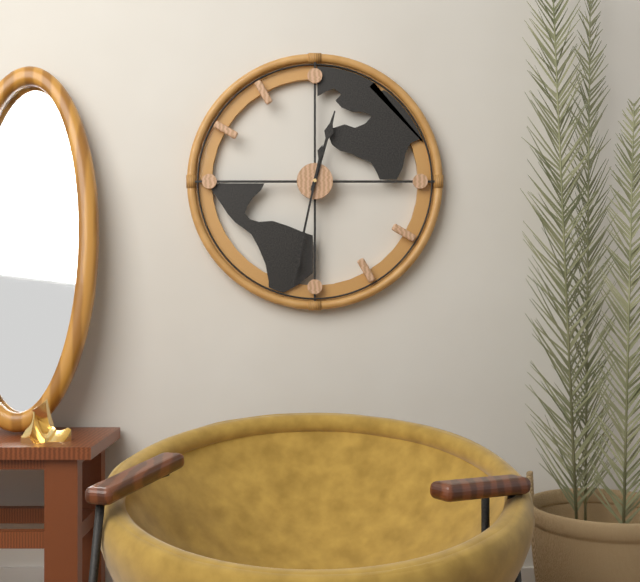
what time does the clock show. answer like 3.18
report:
12.32
